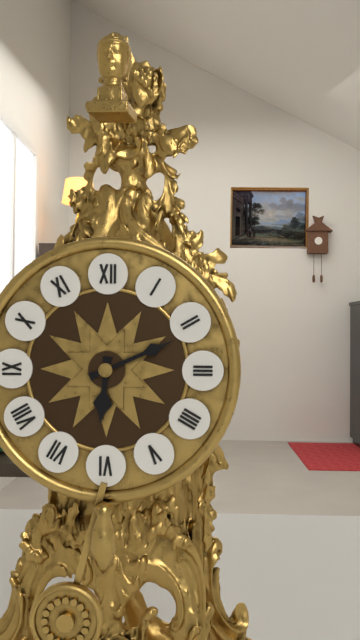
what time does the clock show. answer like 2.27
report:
6.11
